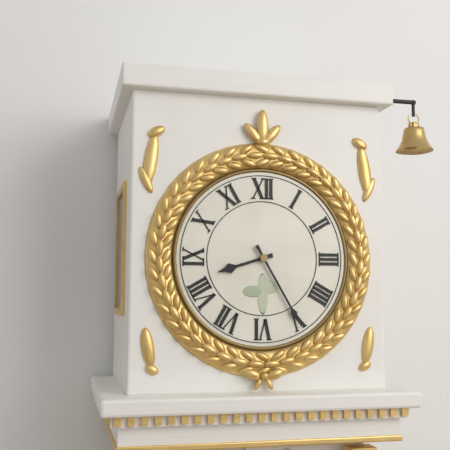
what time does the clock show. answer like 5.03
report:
8.25
